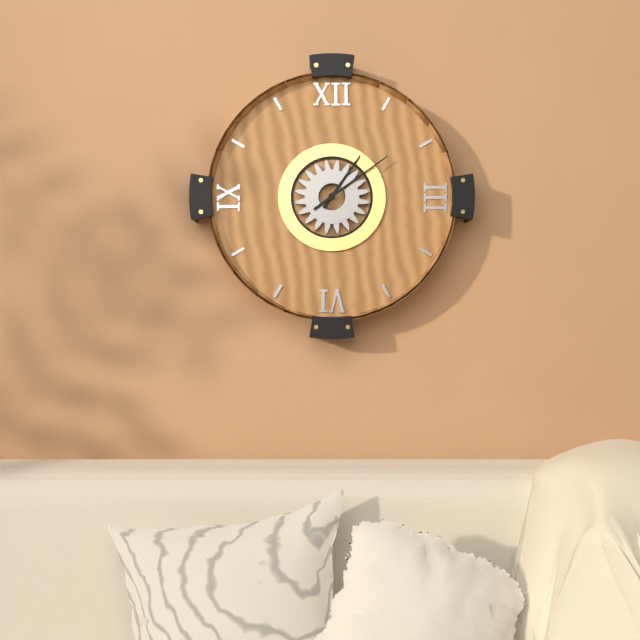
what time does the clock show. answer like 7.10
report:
1.09
